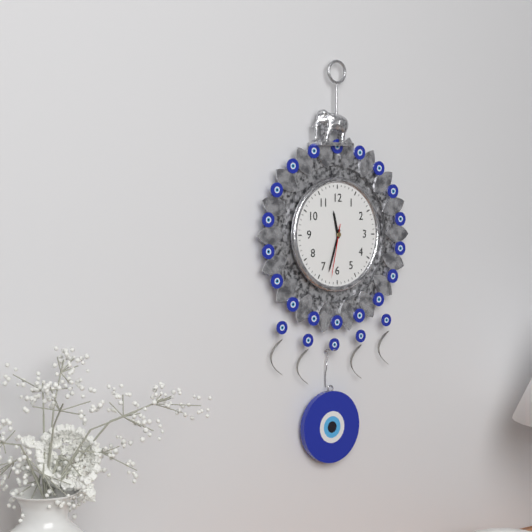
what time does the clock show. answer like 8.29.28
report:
11.33.32
